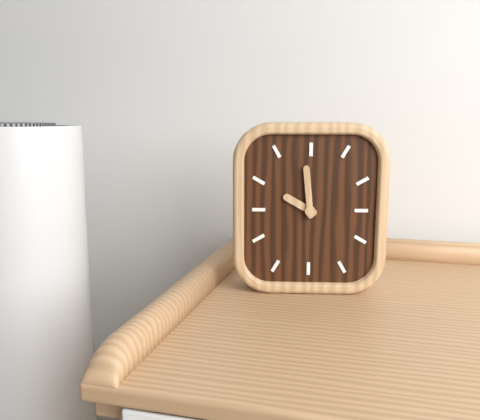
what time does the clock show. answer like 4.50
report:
9.59
